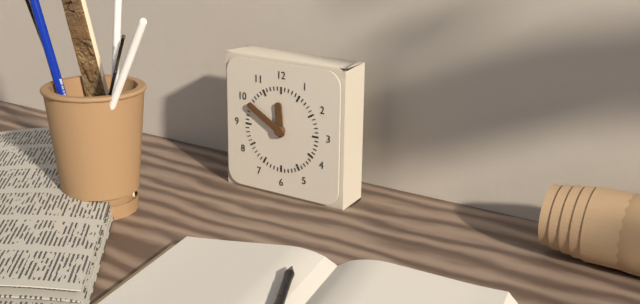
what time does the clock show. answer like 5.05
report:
11.50
